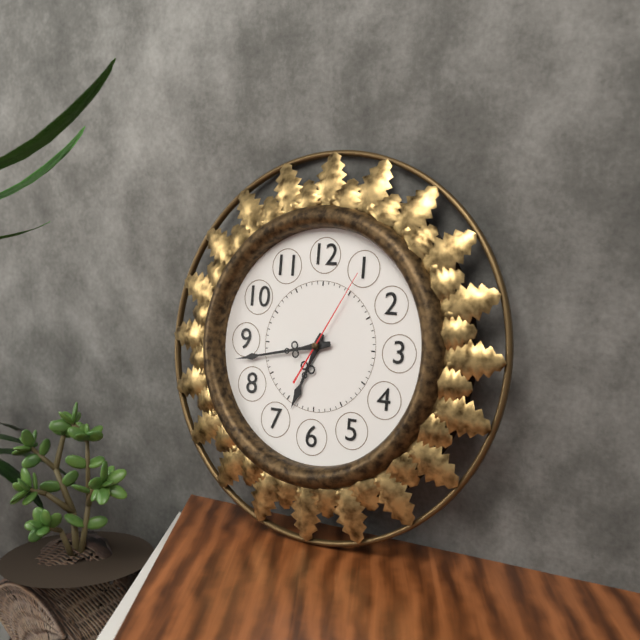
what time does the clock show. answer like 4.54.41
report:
6.43.05
